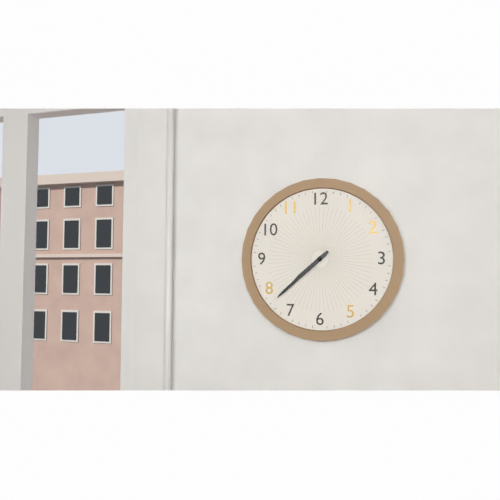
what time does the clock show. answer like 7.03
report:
7.38
